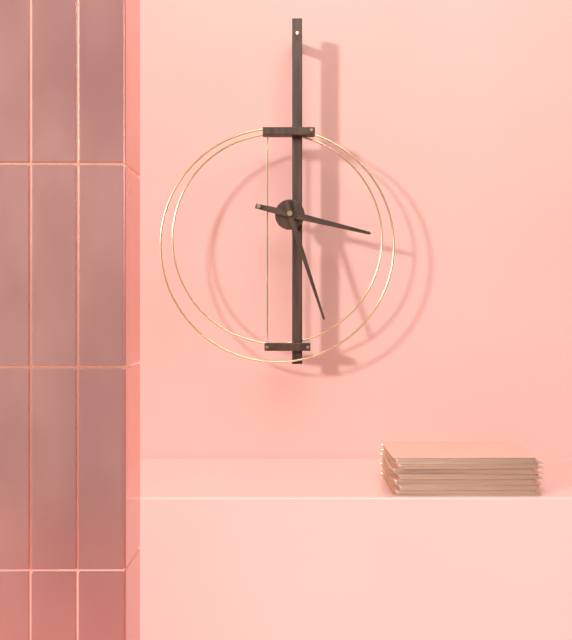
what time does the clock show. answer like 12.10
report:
3.27
